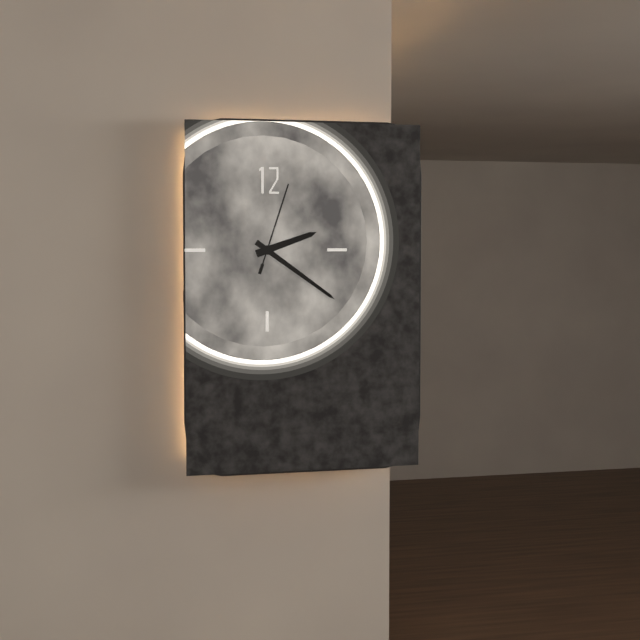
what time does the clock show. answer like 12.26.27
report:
2.21.03
